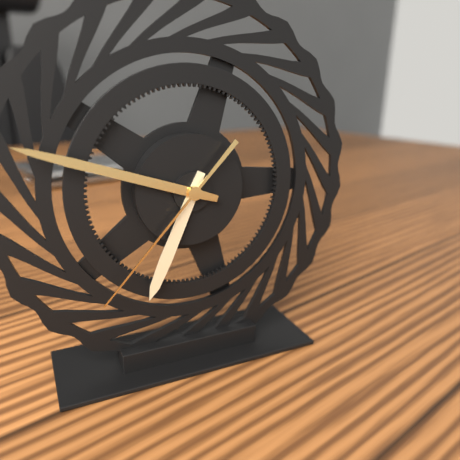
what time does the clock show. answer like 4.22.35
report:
6.48.37
